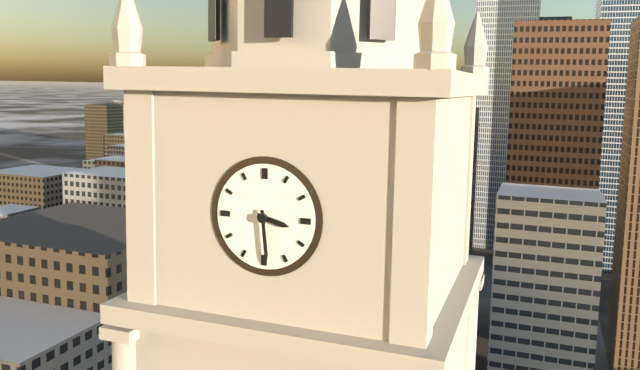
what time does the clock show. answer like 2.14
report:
3.29
